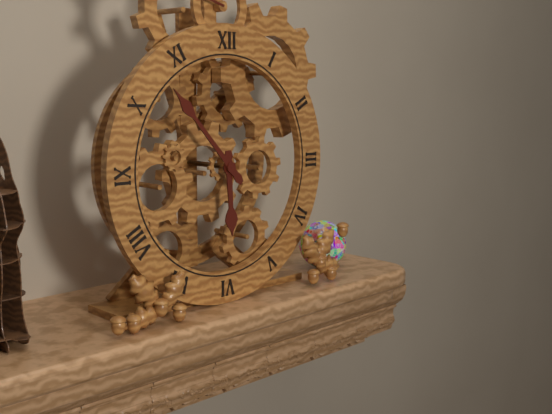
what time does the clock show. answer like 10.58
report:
5.53
